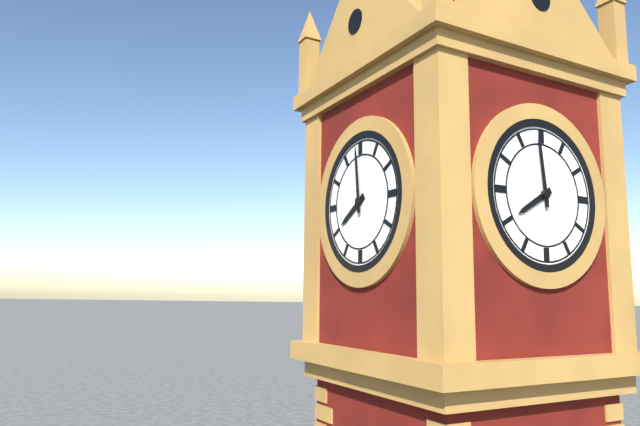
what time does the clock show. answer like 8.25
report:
7.59
